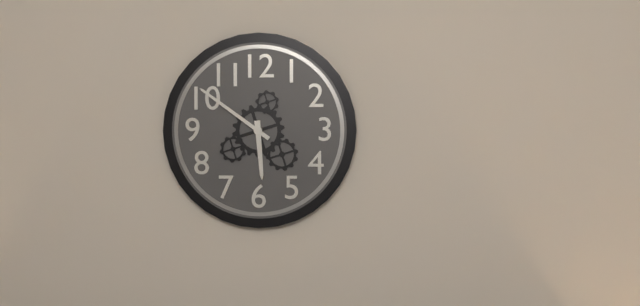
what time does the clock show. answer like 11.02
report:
5.51
